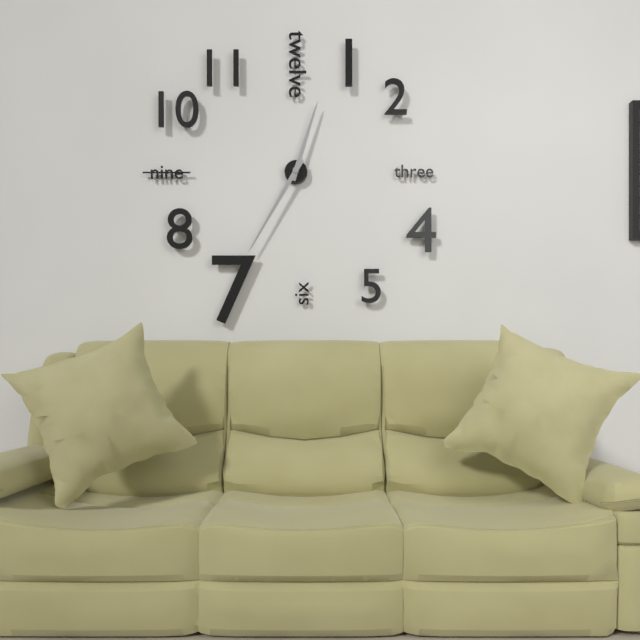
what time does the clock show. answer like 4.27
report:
12.35
